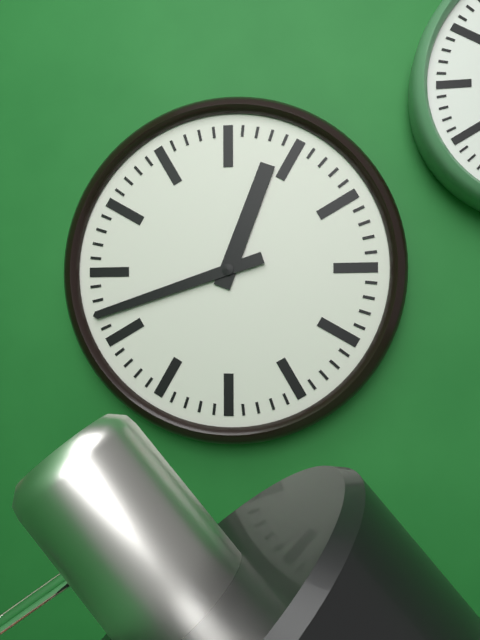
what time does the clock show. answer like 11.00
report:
12.42
